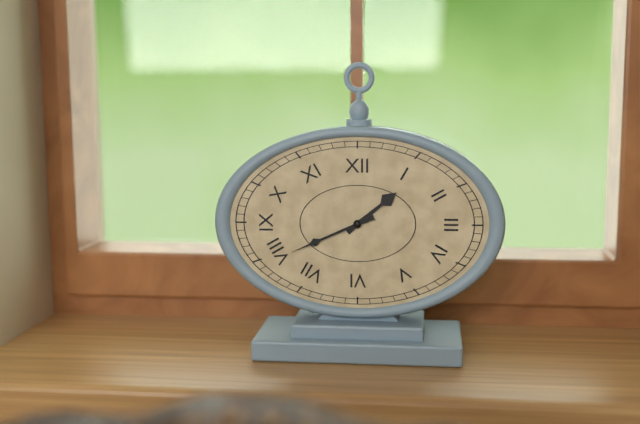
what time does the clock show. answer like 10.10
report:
1.41
